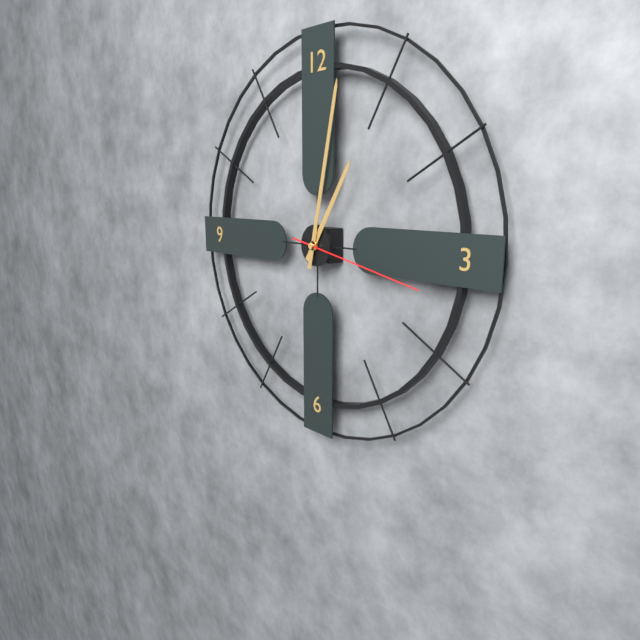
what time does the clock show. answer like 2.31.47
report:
1.02.17
